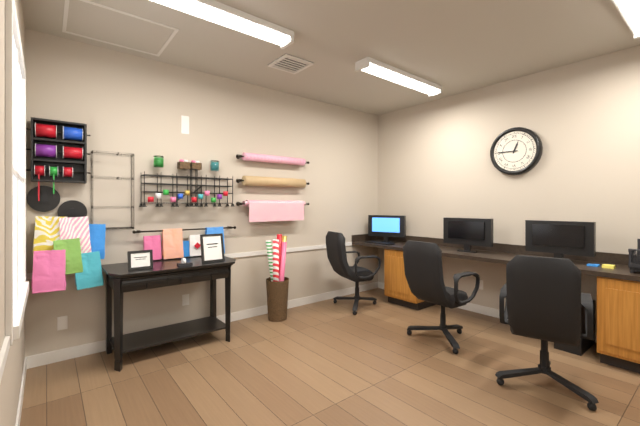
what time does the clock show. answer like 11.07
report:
12.45
